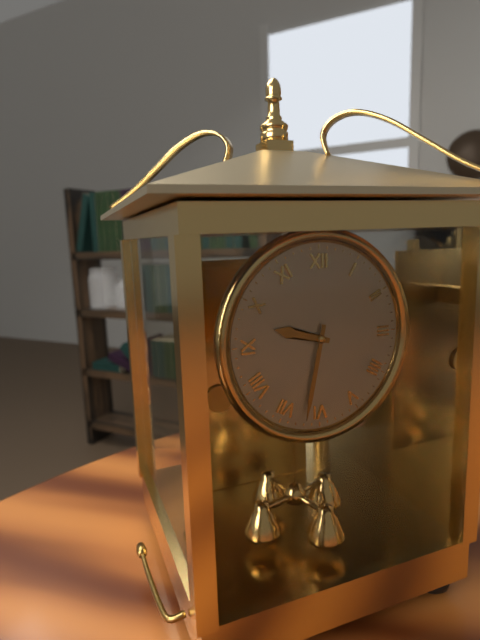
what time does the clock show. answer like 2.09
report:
9.32
